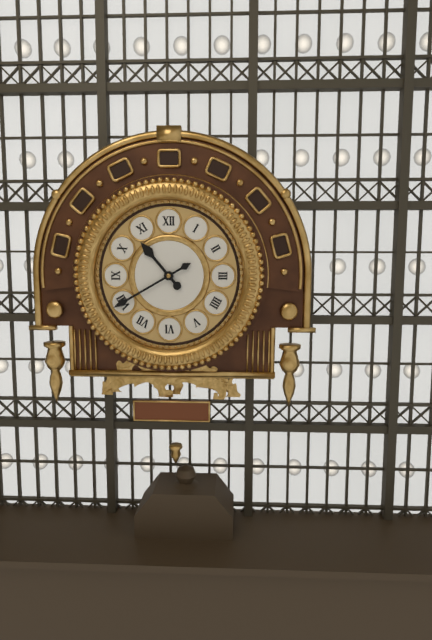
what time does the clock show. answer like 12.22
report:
10.40
